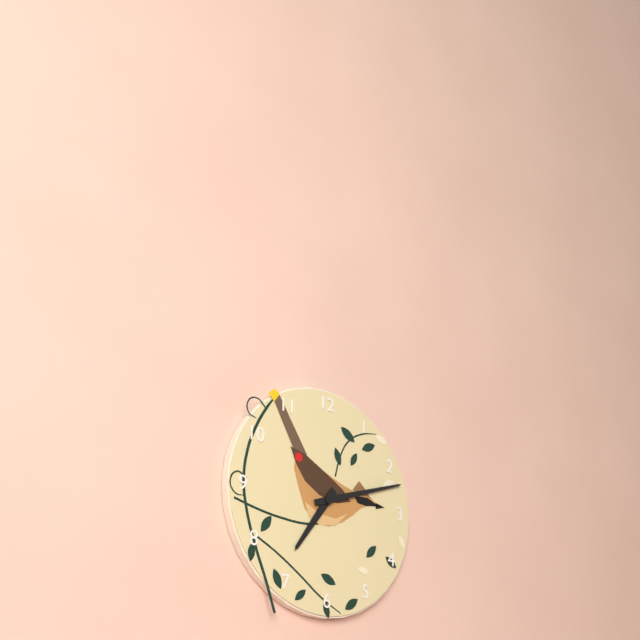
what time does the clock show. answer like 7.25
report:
7.12
